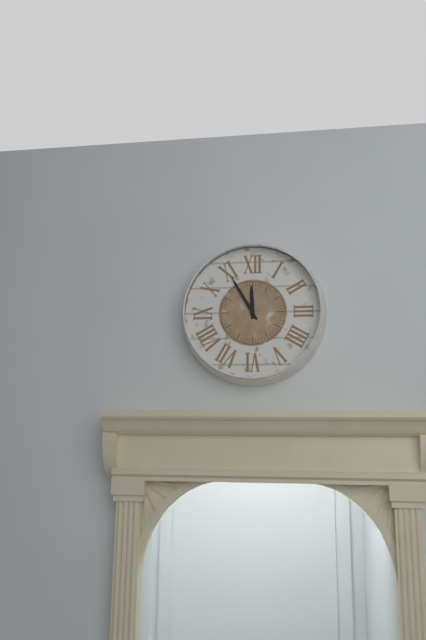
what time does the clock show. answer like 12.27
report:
11.55
